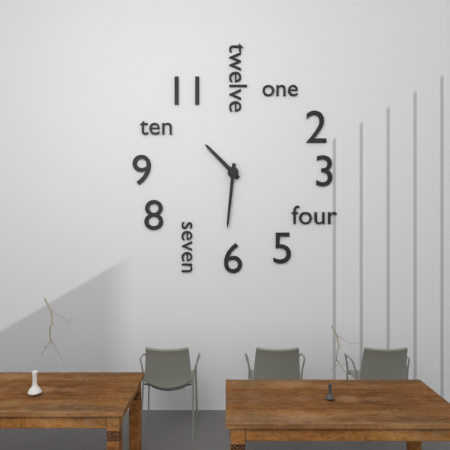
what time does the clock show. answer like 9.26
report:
10.31
